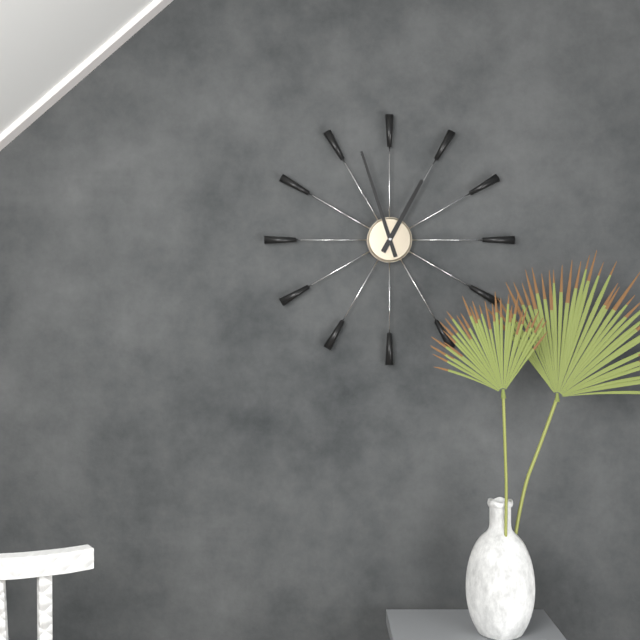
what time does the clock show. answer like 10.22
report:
12.57
